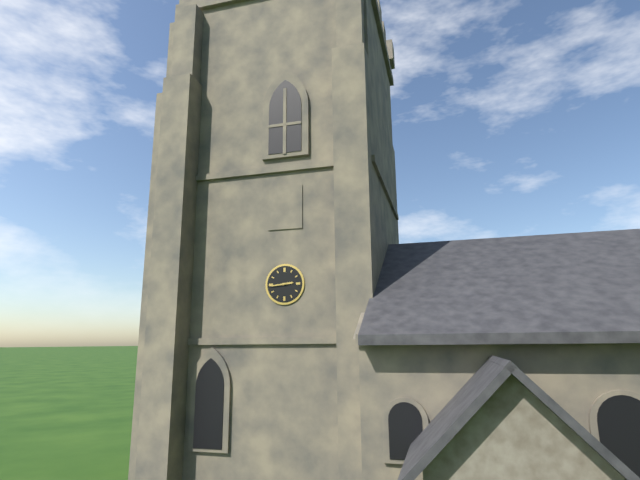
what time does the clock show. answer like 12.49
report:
2.44
